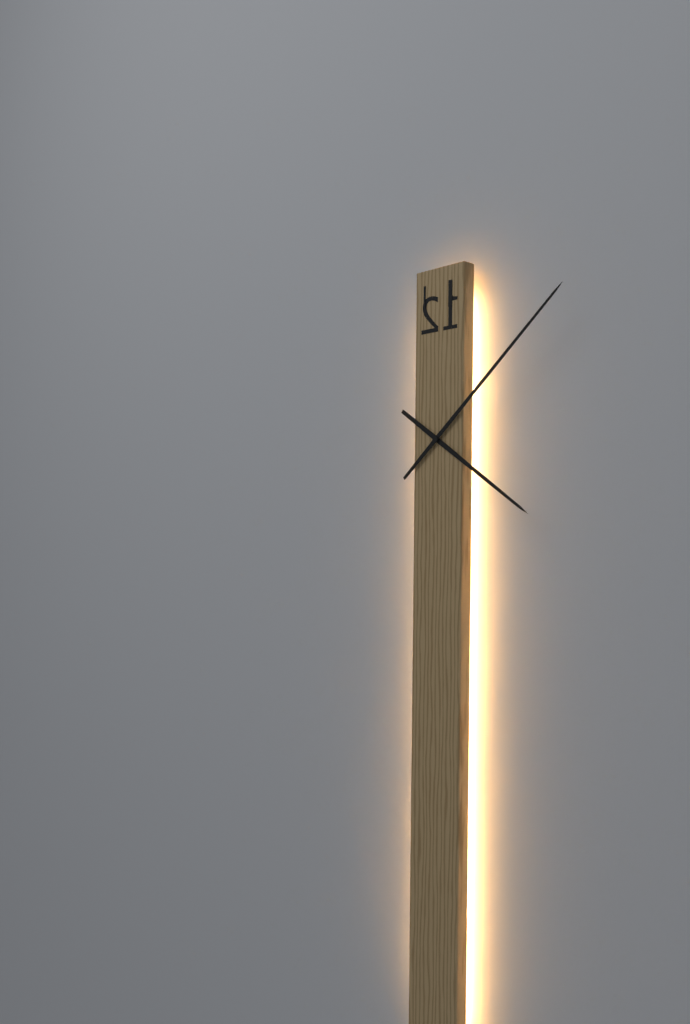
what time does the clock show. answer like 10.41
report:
4.08
